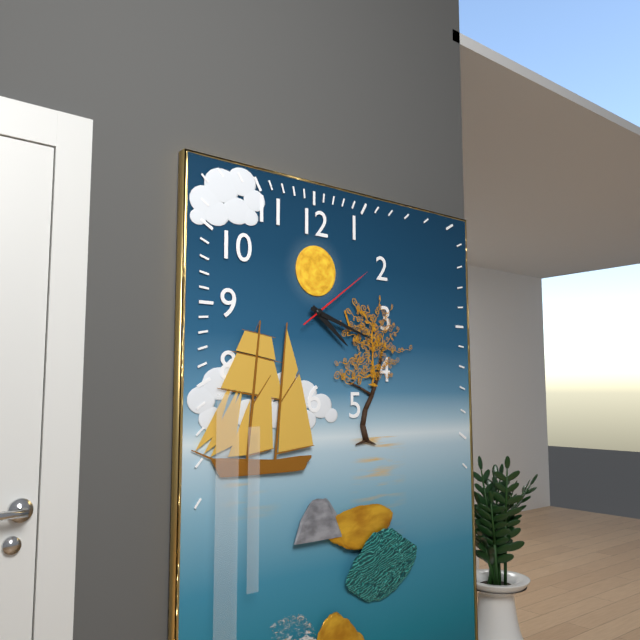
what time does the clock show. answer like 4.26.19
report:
4.18.09
